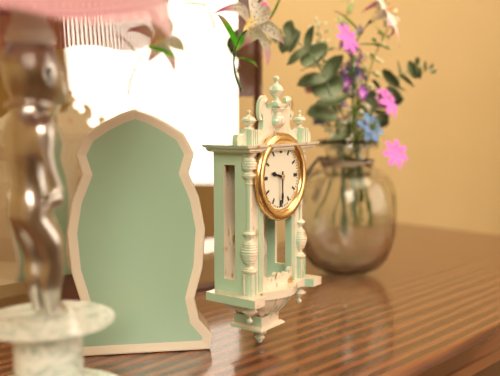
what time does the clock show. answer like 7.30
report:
9.30
